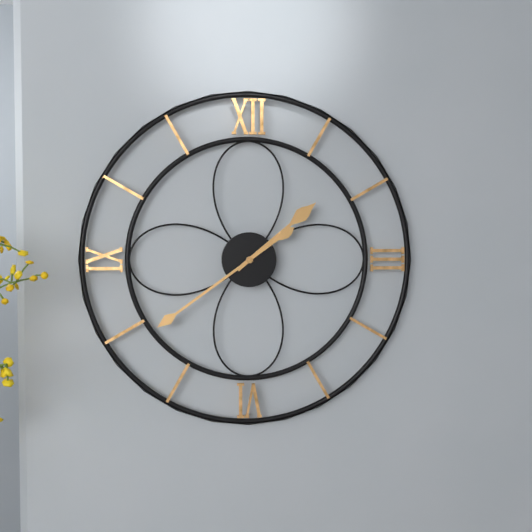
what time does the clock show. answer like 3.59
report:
1.39
